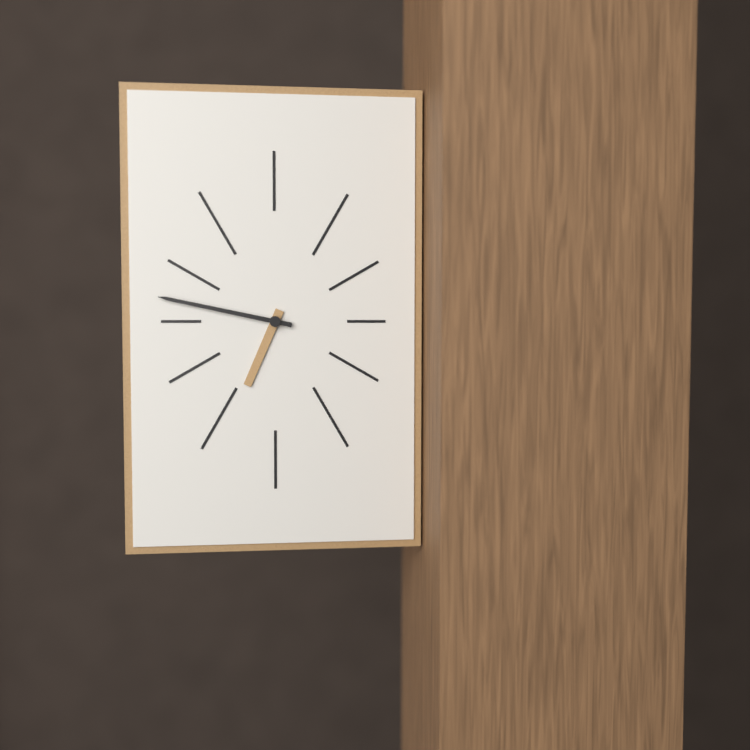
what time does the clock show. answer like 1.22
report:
6.47
